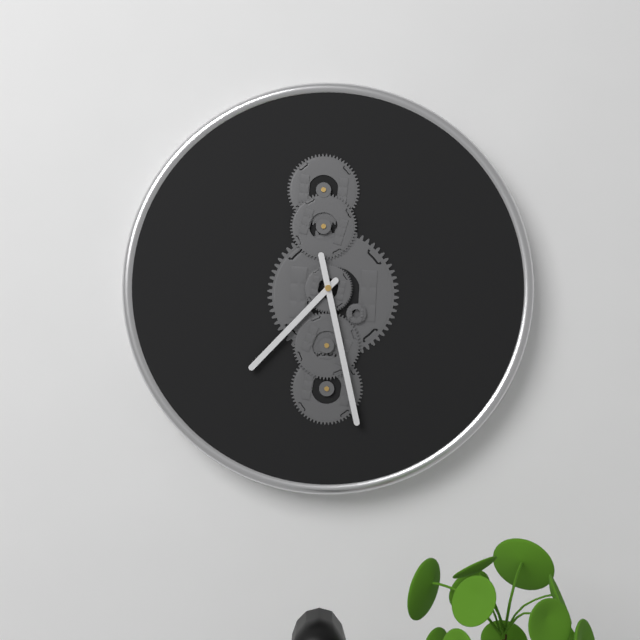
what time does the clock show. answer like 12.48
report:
7.28
